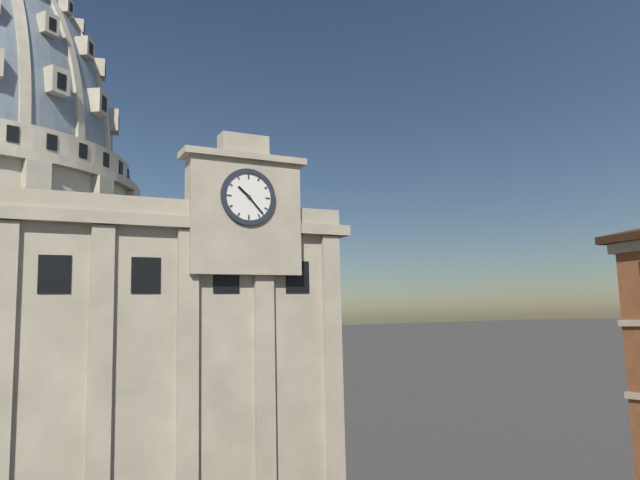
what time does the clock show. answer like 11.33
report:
10.23
